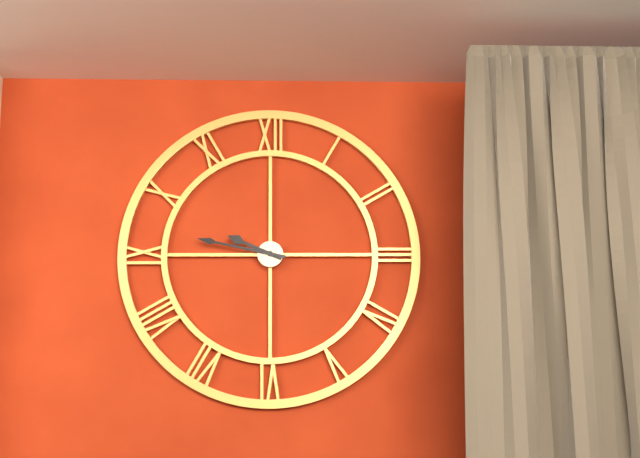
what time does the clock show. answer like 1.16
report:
9.47
